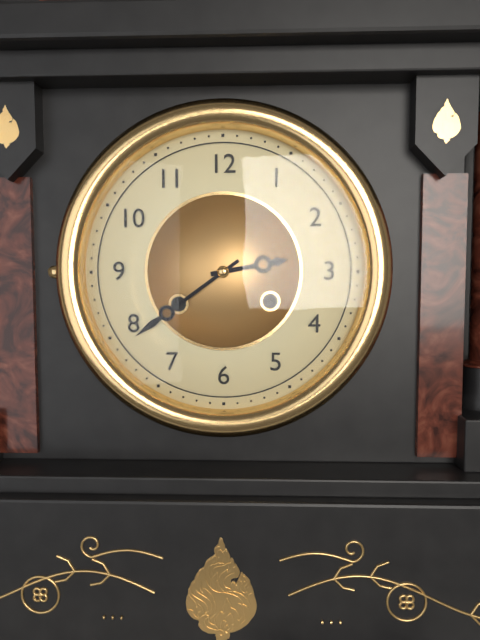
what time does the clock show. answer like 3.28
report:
2.39
